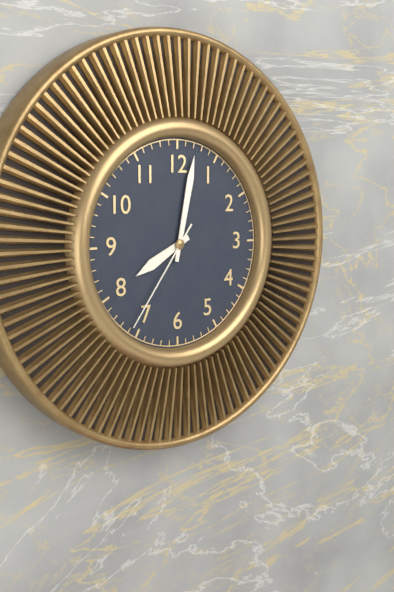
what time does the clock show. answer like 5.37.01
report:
8.02.36
